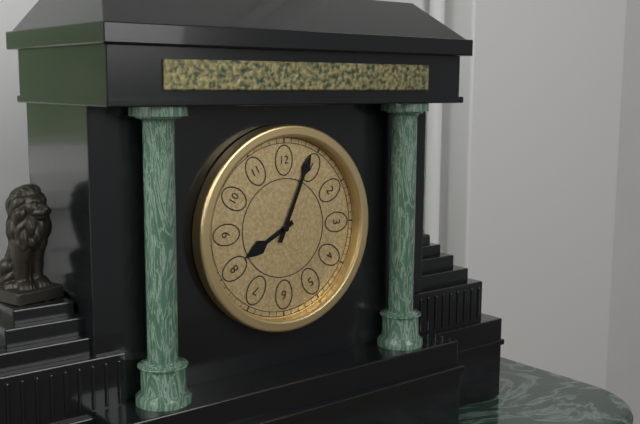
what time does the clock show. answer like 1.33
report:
8.04
